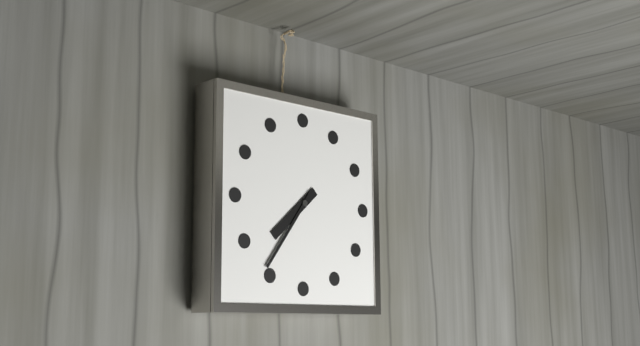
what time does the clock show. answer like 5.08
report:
7.36
